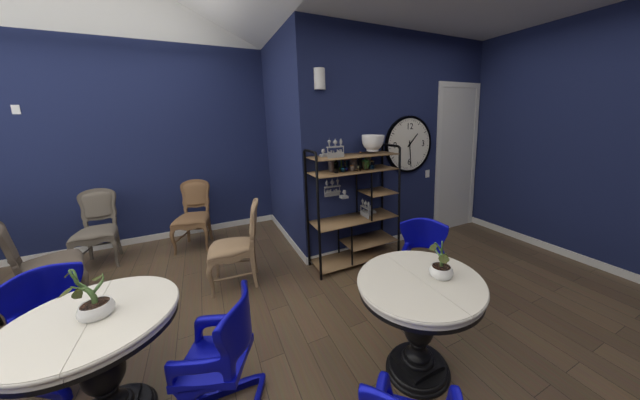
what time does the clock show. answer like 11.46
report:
1.29
